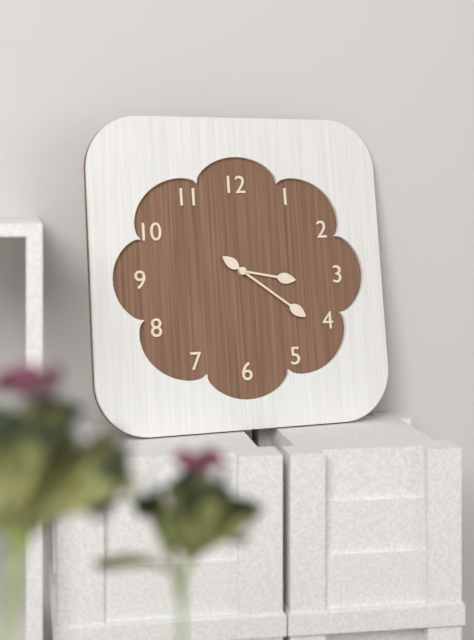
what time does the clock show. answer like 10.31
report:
3.21
